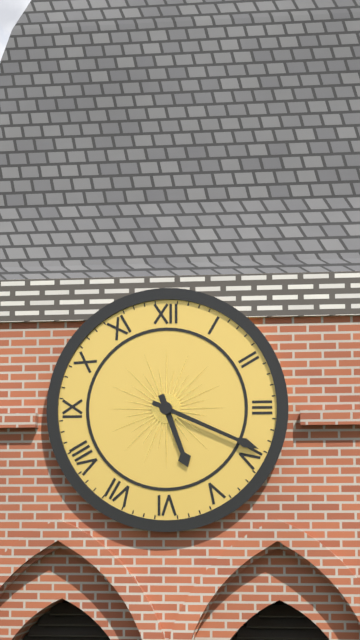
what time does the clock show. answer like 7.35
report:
5.19
